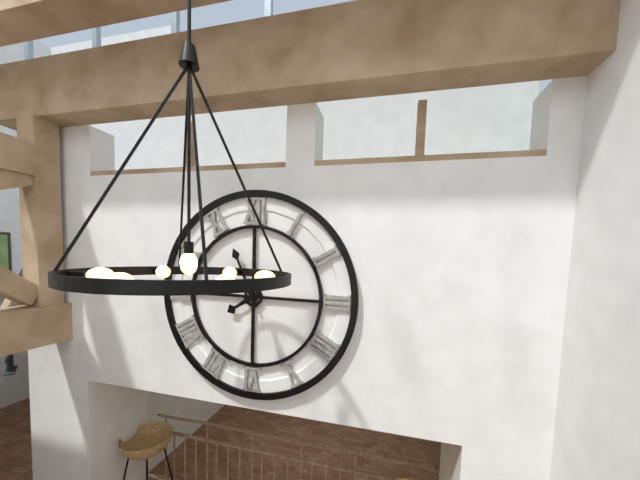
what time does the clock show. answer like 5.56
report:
7.56
